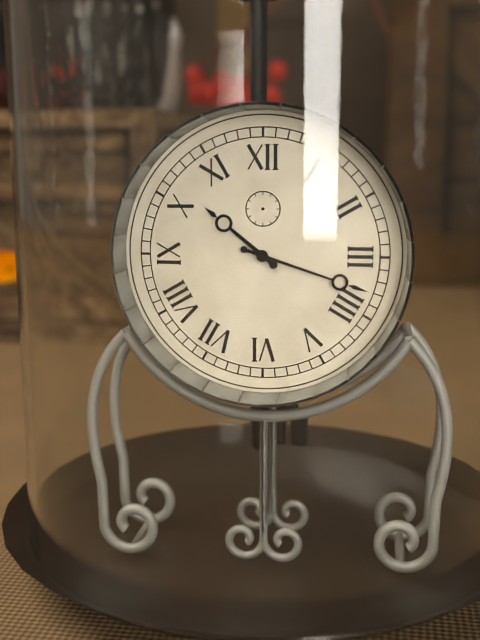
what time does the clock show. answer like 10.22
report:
10.18
